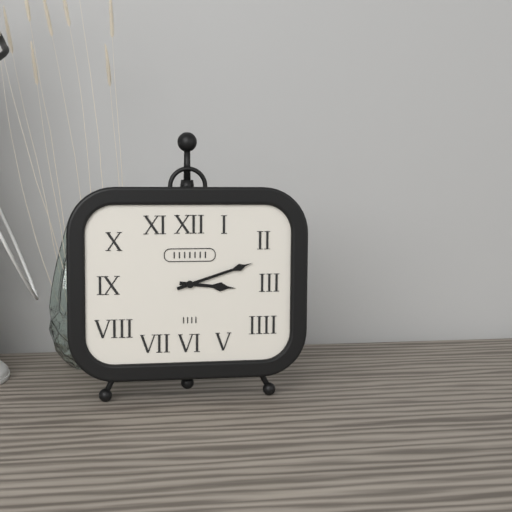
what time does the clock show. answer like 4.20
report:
3.12
